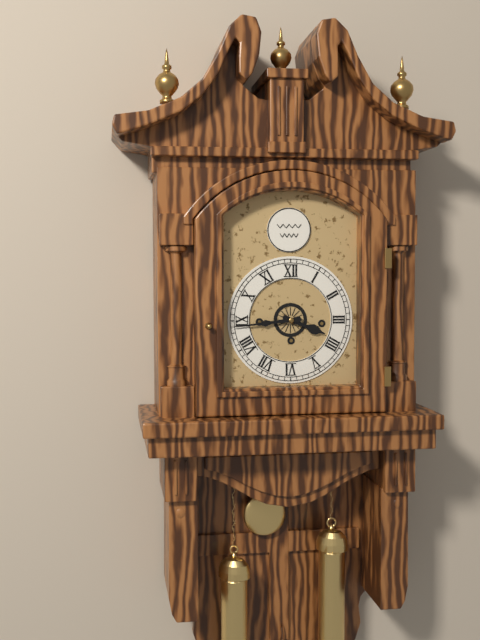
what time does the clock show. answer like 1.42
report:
3.44
